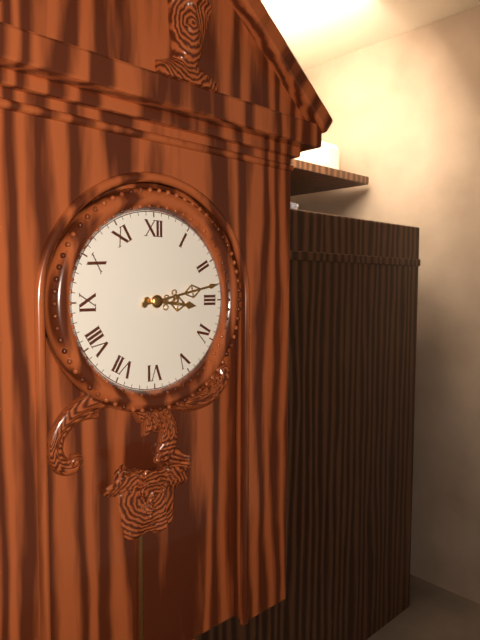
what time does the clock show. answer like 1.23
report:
3.13
